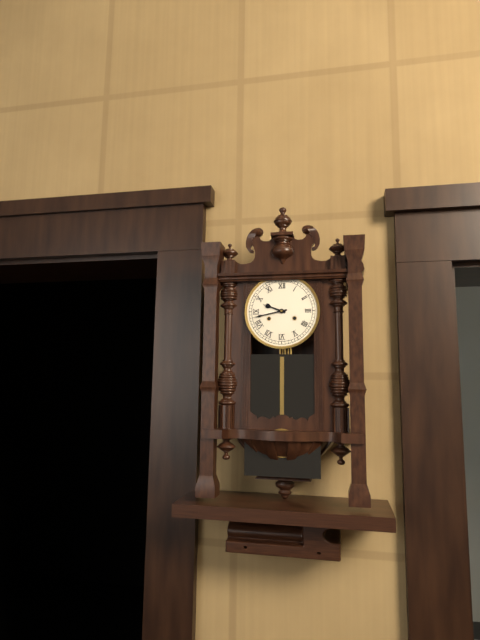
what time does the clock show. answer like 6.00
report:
9.43
